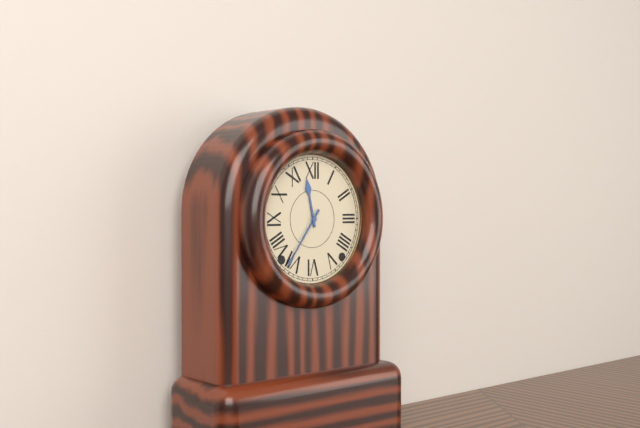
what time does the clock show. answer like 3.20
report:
11.36
